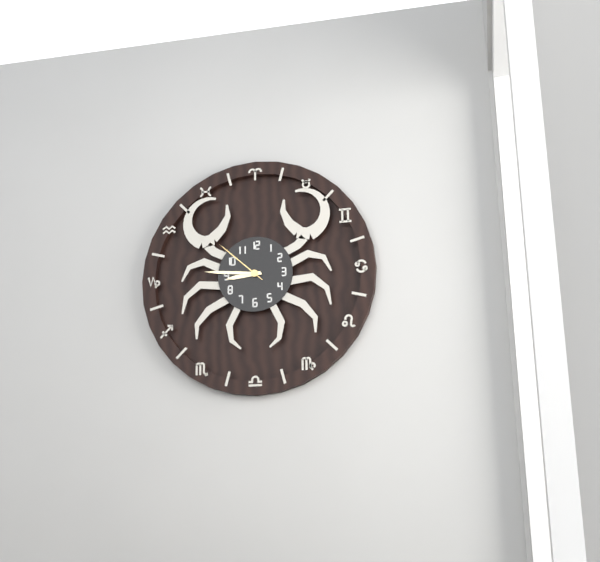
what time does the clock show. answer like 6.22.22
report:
8.46.52
